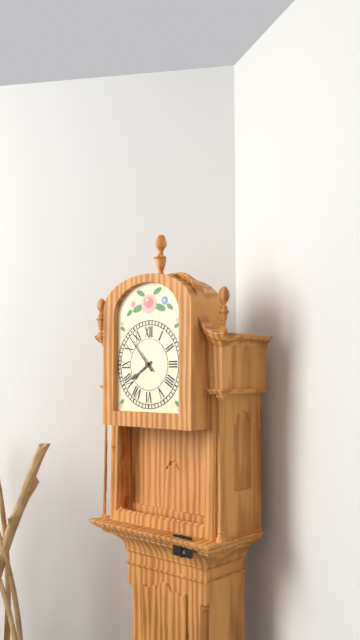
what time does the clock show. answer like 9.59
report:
7.53
